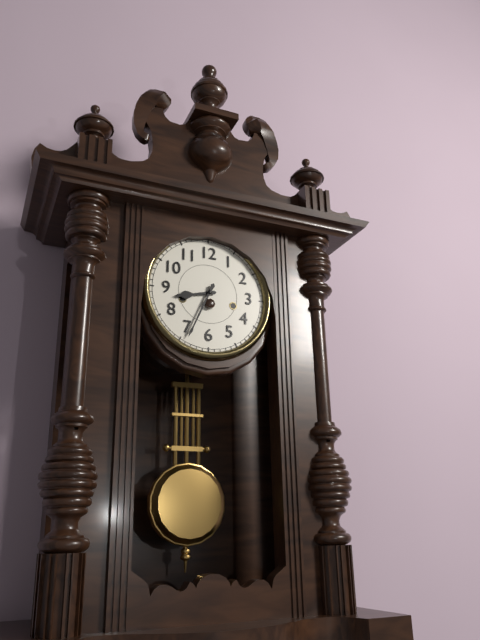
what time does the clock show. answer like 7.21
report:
8.34
